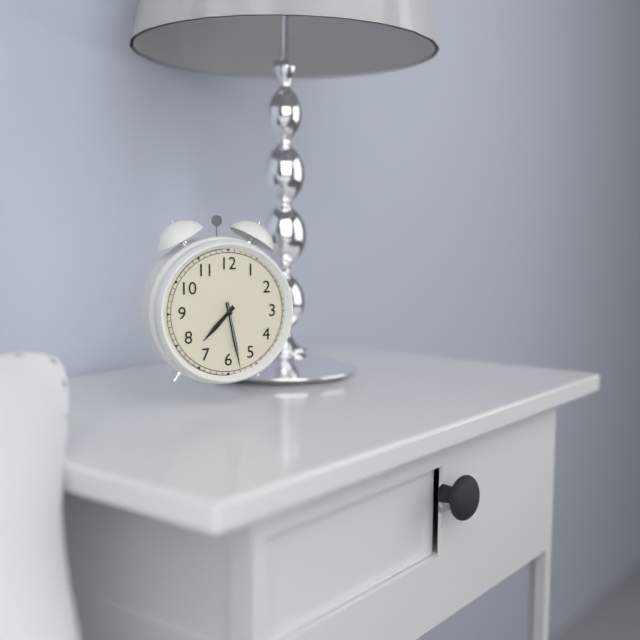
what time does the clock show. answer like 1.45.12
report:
7.28.28
